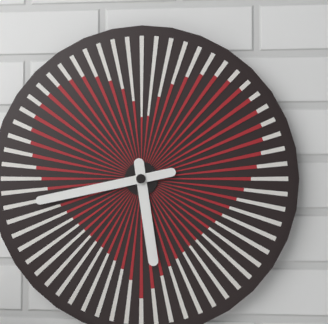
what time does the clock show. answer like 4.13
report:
5.43
